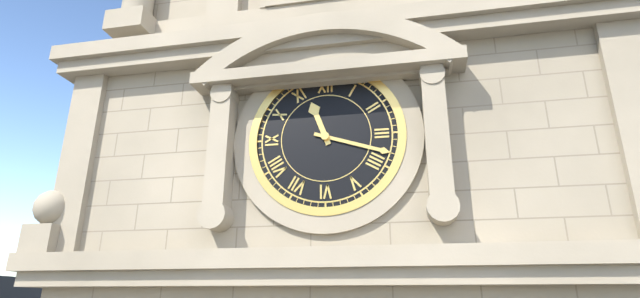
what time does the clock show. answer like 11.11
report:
11.18
